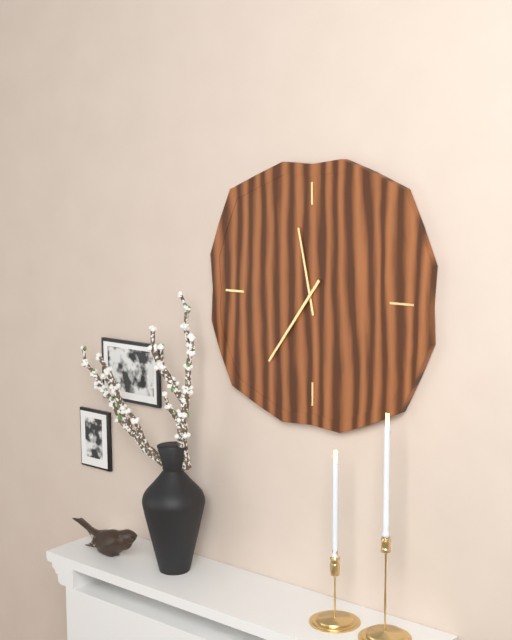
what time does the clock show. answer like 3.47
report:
11.36
